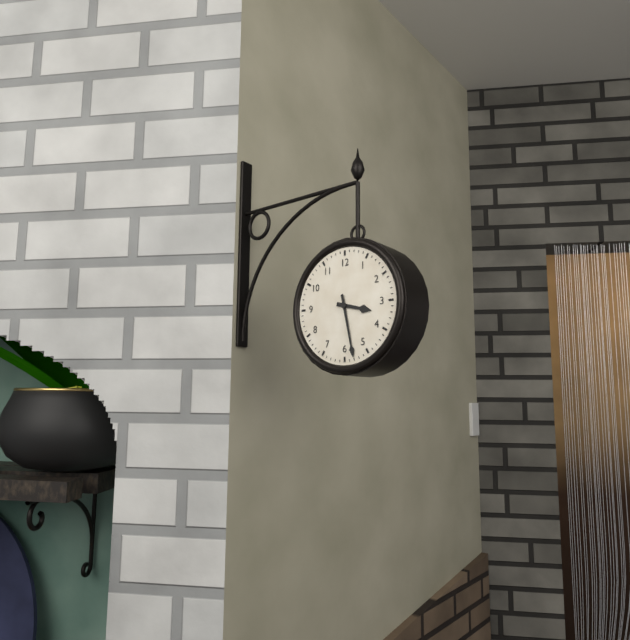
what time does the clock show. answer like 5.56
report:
3.28
